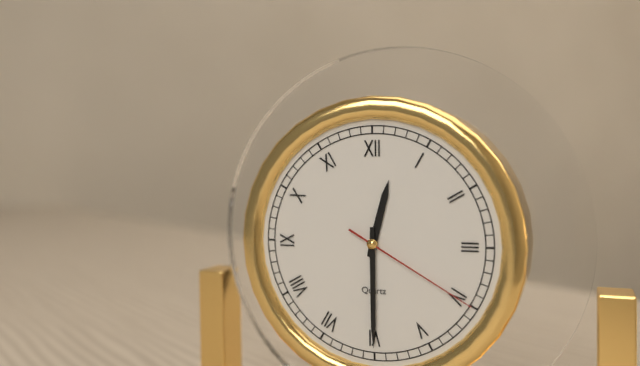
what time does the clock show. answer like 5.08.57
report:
12.30.20
